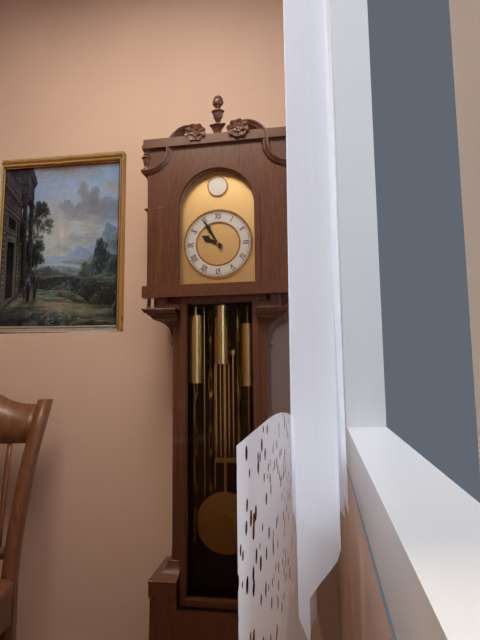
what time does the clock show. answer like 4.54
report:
9.55
